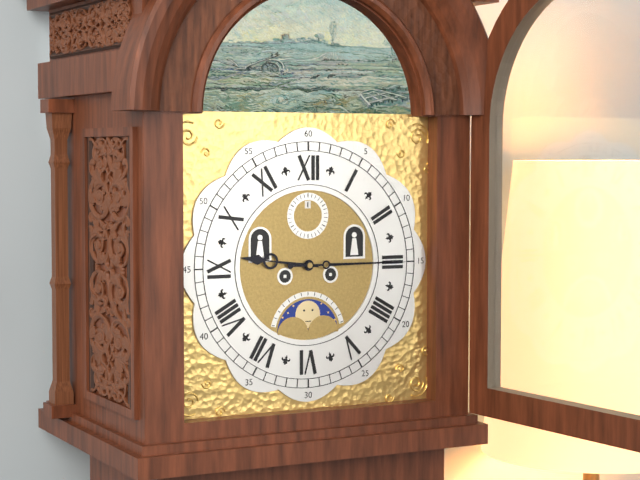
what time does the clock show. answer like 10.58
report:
9.15
